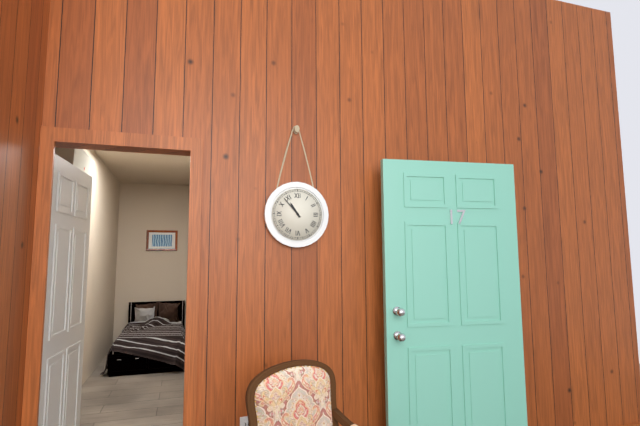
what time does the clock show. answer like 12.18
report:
10.53
